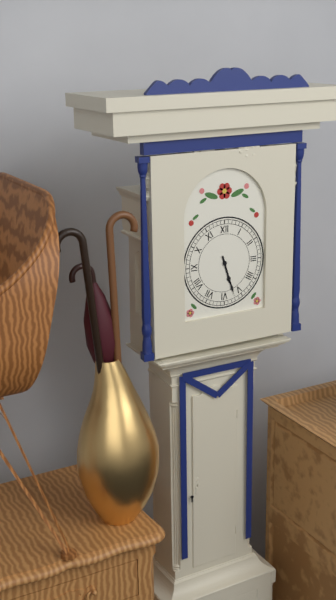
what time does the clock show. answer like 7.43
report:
5.27
